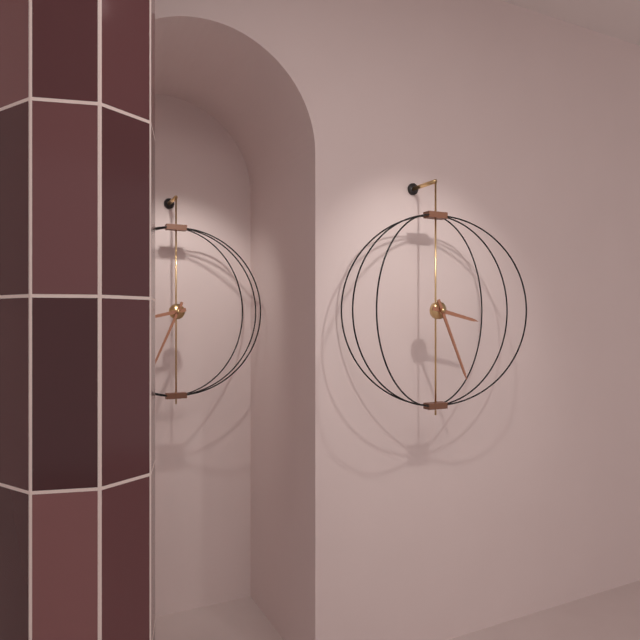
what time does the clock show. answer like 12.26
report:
3.26
